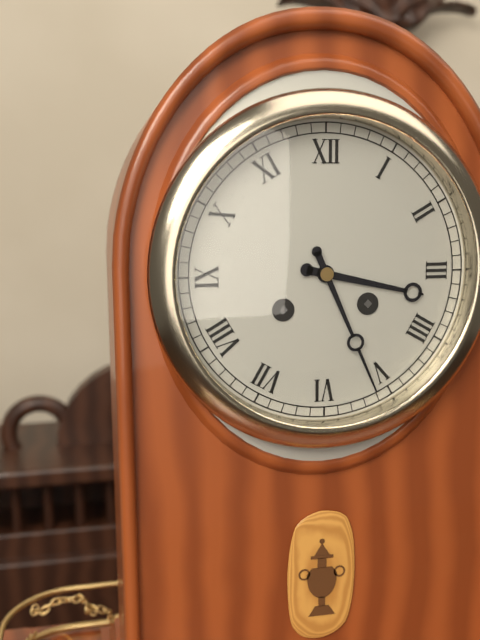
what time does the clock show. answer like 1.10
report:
3.26
